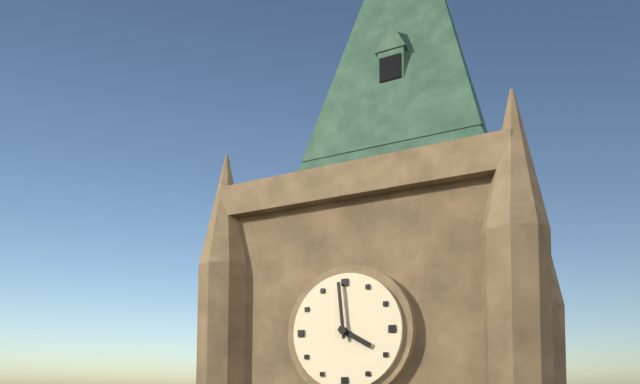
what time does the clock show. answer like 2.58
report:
3.59
